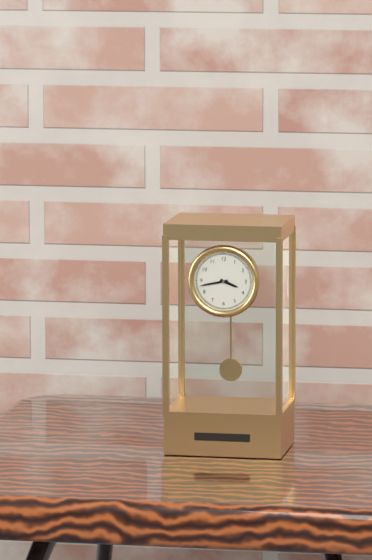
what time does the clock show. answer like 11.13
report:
3.43
